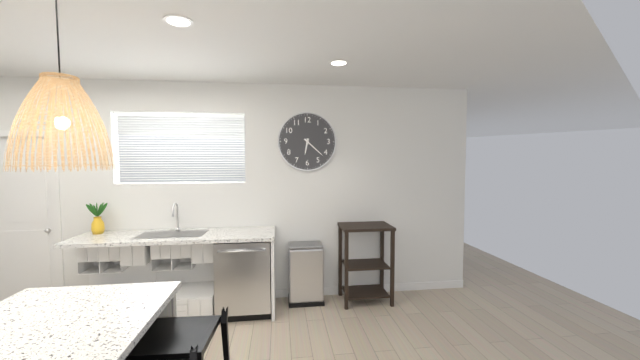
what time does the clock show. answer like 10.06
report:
6.22
